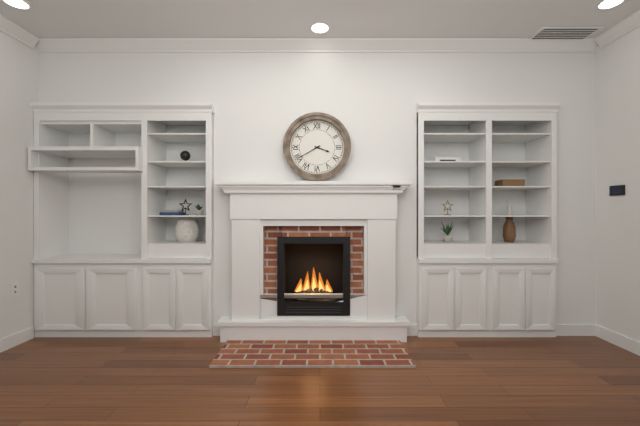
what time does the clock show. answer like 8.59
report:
3.40
